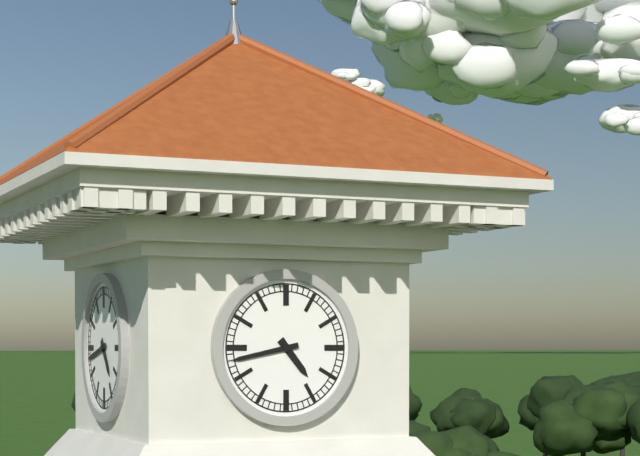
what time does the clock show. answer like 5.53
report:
4.43
